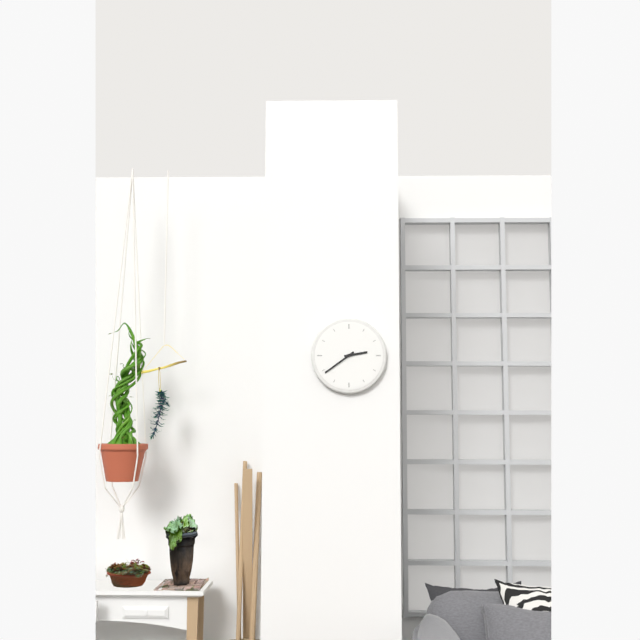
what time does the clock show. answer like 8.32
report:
2.39
